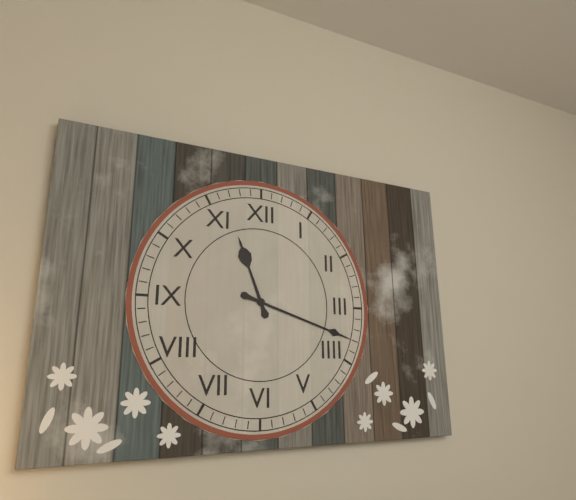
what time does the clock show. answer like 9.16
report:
11.18
